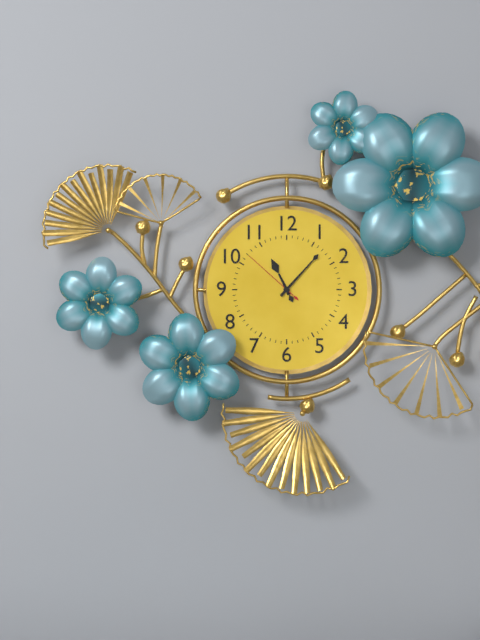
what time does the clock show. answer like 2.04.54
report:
11.07.52
